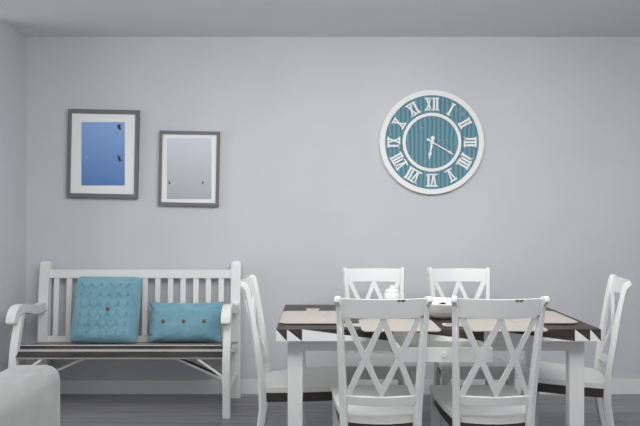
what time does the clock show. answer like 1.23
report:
6.20
